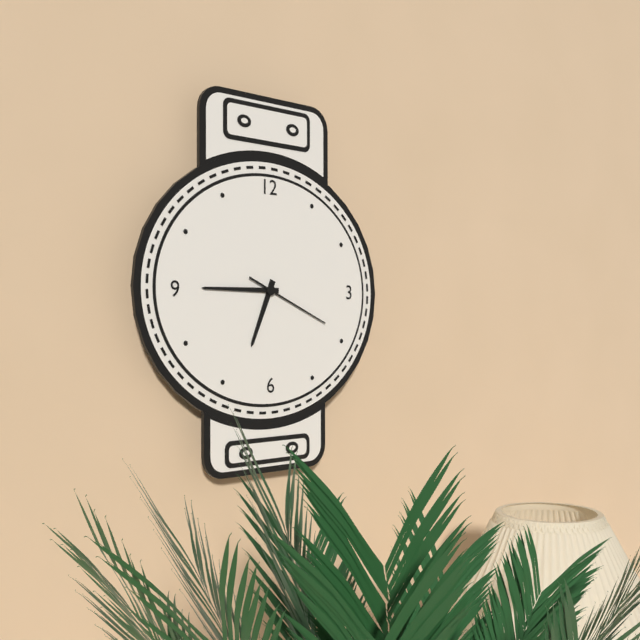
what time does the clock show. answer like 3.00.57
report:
6.45.19
